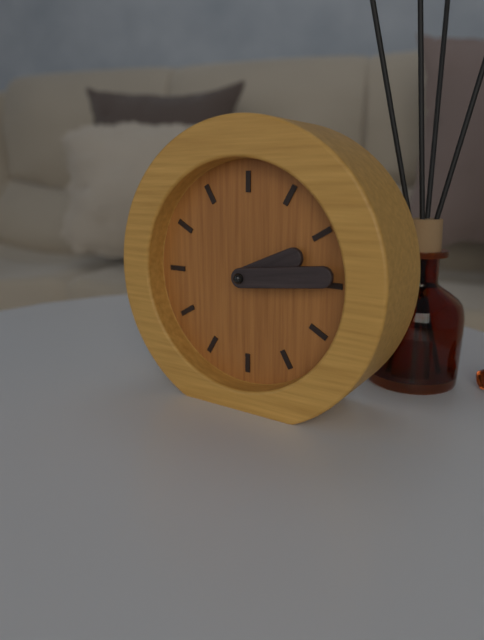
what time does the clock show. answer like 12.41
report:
2.14
